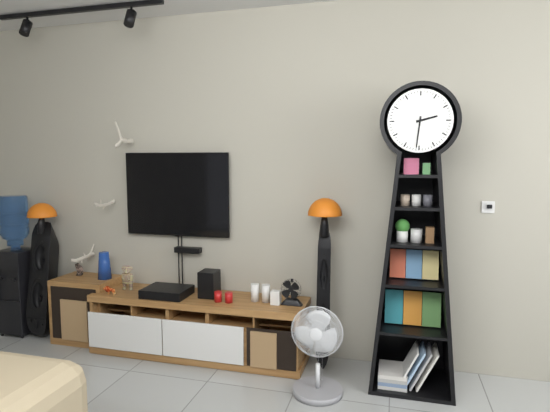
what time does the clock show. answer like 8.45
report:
2.31
